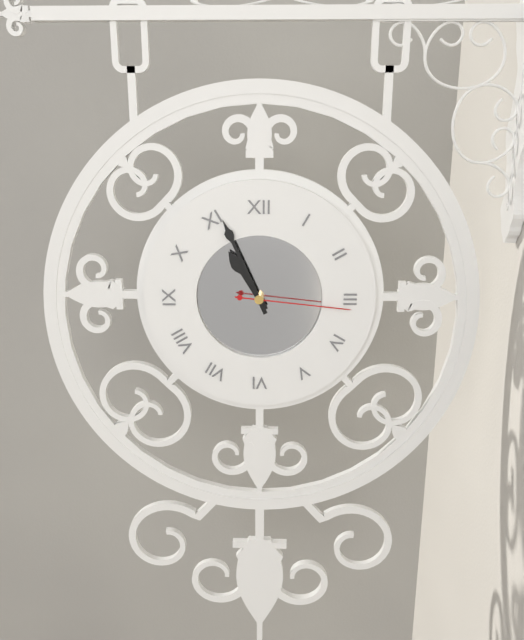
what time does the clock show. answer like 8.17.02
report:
10.56.16
